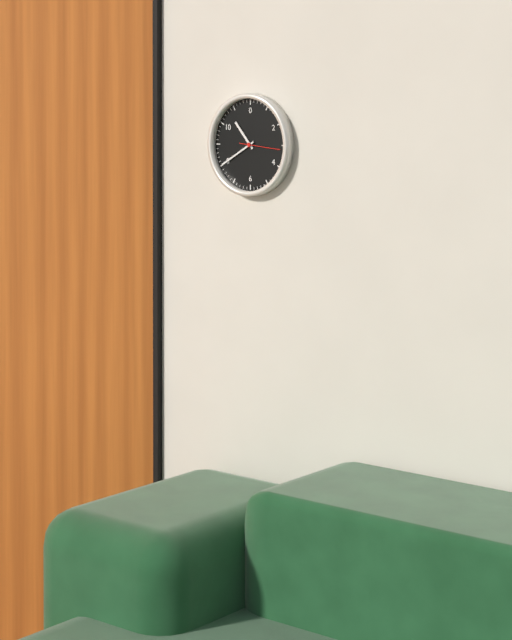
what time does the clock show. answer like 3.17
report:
10.40
